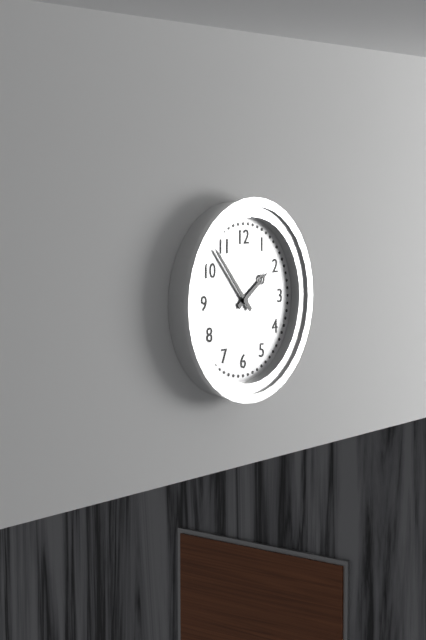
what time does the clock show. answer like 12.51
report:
1.53
